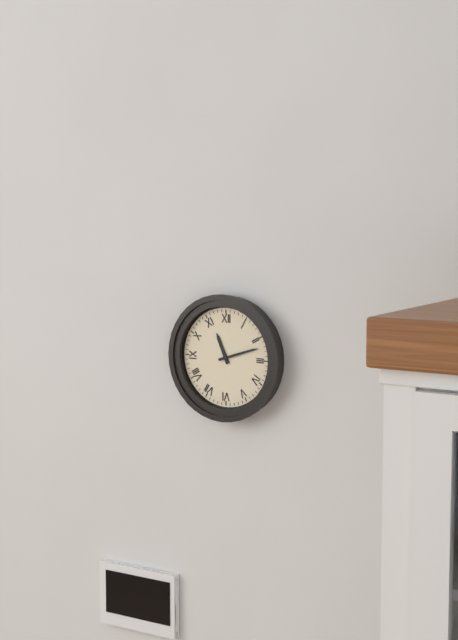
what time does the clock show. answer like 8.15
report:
11.12
